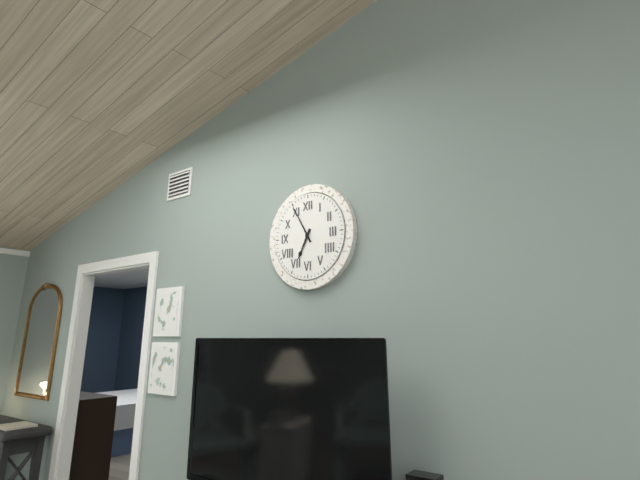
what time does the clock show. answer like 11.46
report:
6.55
